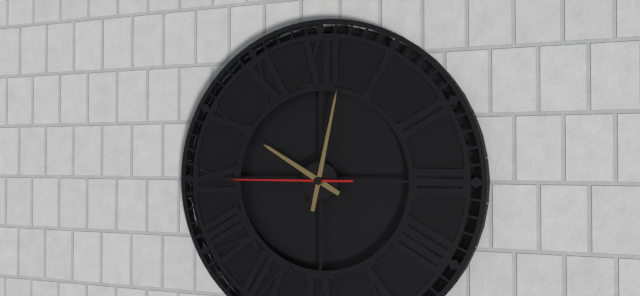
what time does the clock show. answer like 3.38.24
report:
10.02.45
